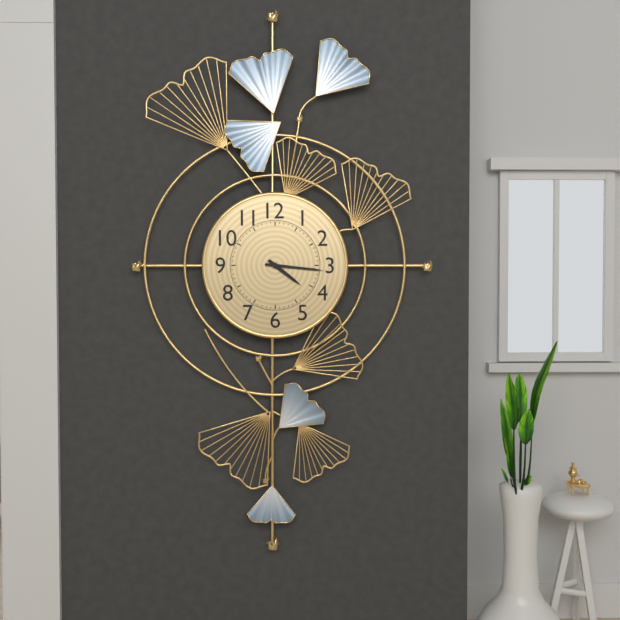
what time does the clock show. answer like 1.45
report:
4.16
